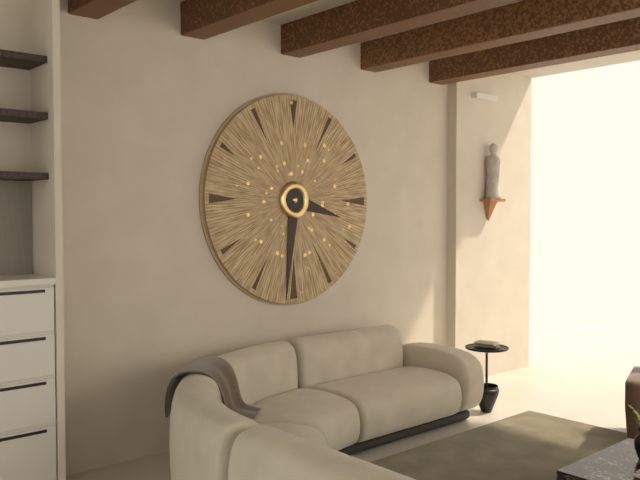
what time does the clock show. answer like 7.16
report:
3.31
